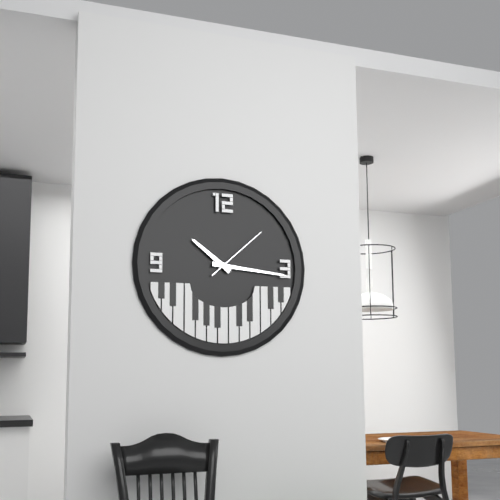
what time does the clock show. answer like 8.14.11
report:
10.16.08
